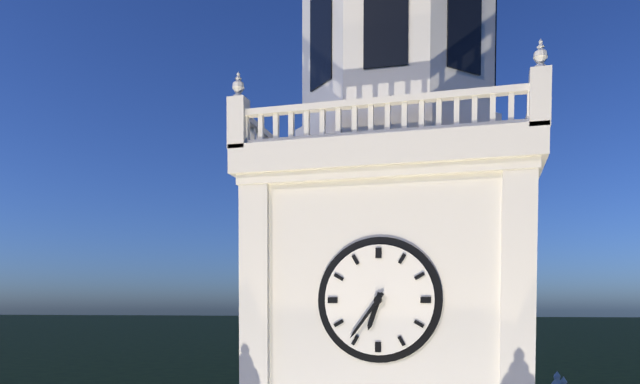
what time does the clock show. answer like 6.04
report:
6.36
